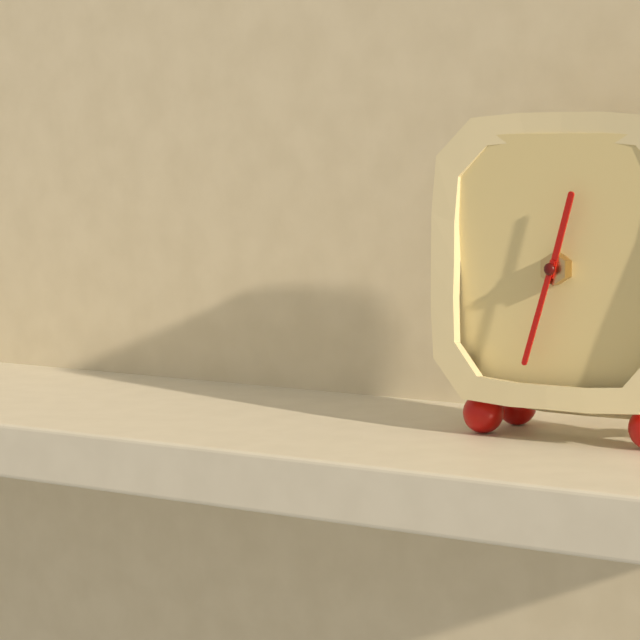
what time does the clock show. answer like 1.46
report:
12.33
